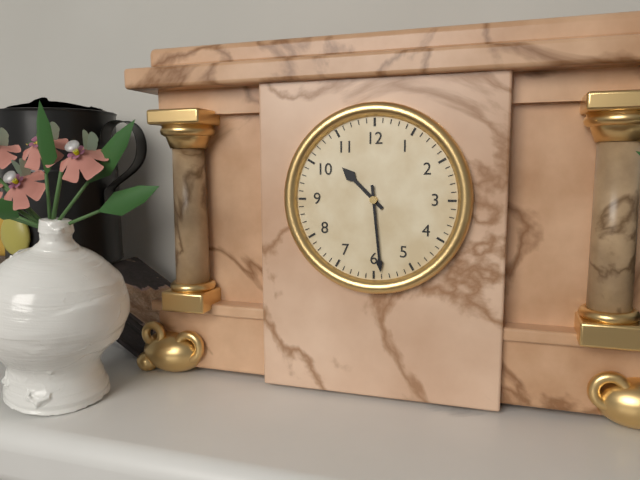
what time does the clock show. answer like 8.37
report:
10.29
